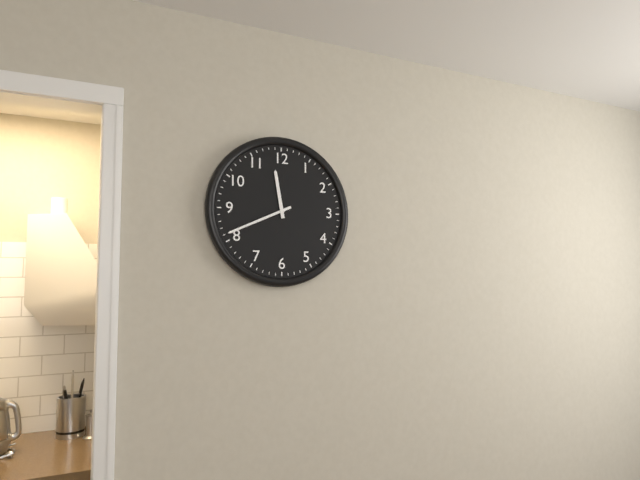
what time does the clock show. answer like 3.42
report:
11.41
